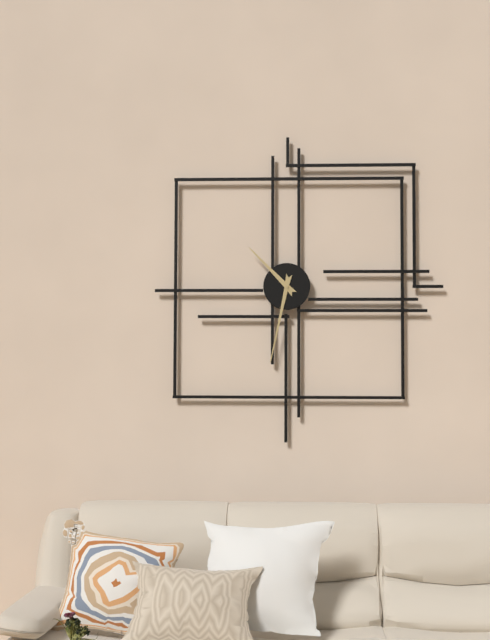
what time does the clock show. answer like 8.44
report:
10.32
